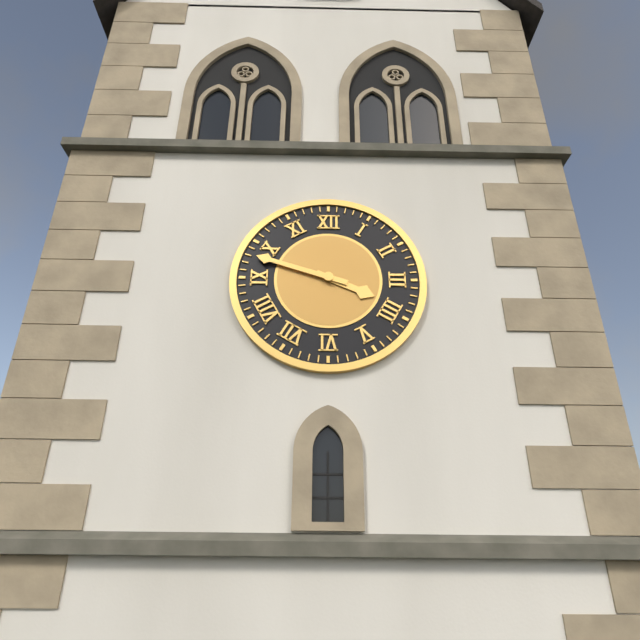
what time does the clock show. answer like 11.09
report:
3.48
